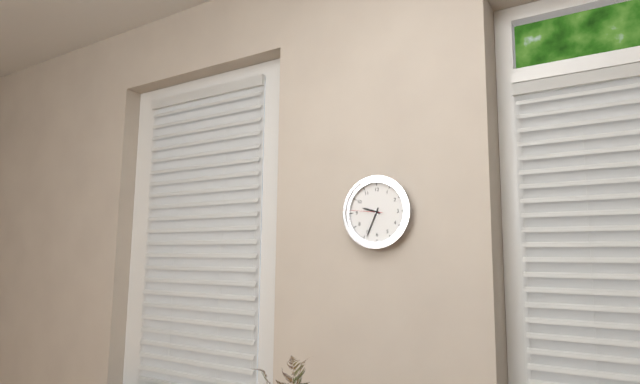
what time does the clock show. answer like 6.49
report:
9.34
